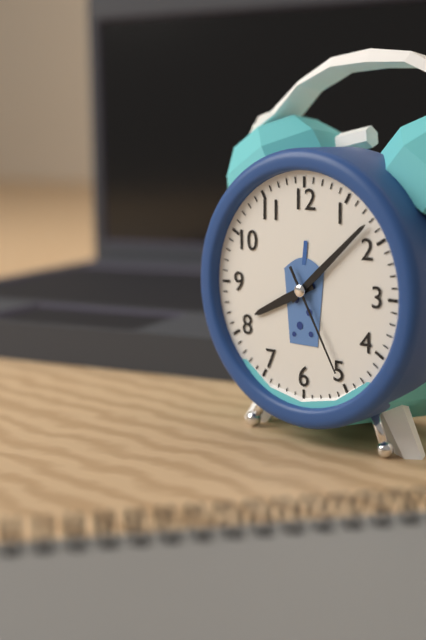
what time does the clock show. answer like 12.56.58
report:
8.08.25
